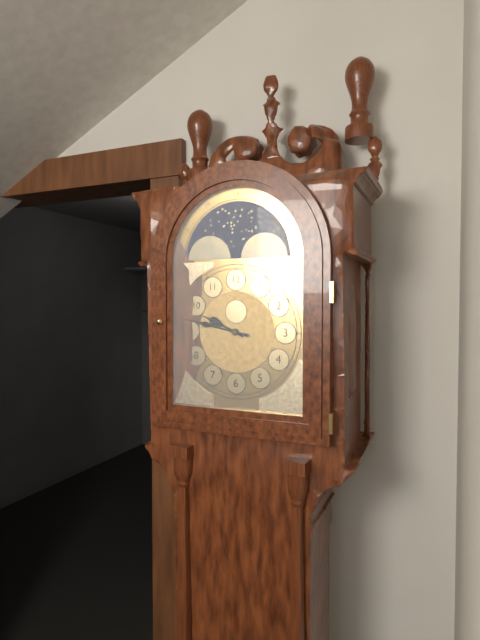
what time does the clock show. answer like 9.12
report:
9.47
